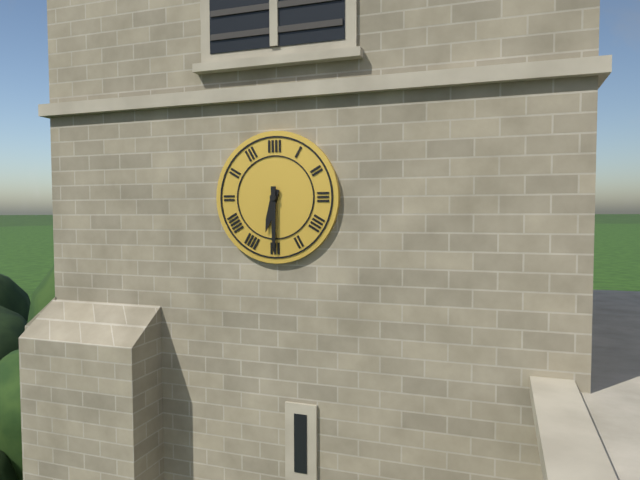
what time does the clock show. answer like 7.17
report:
6.30
